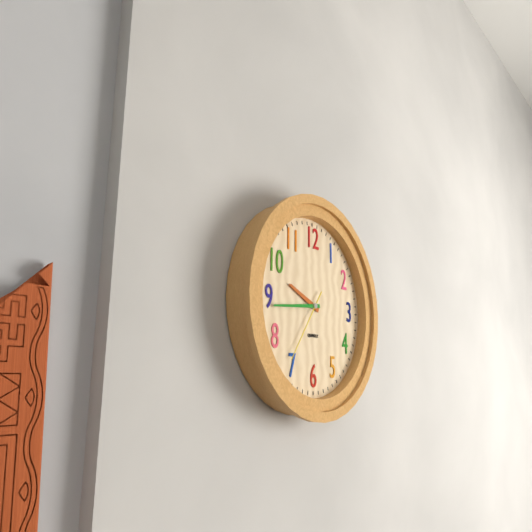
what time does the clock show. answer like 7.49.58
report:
9.44.36
